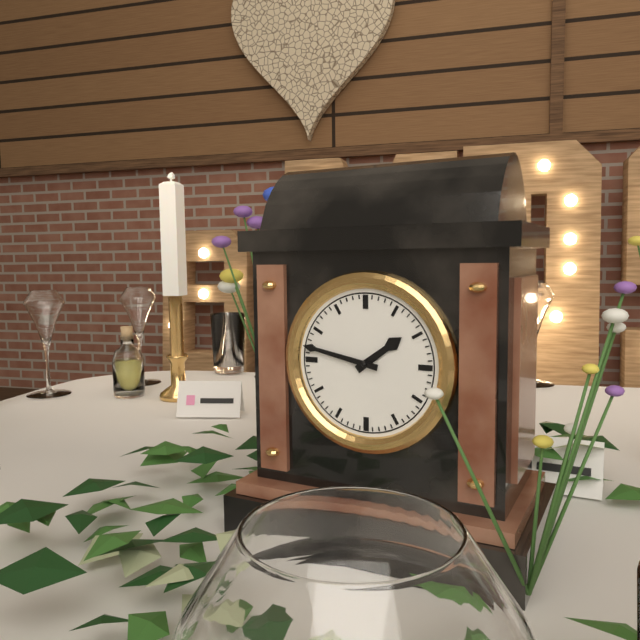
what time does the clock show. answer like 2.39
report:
1.47
